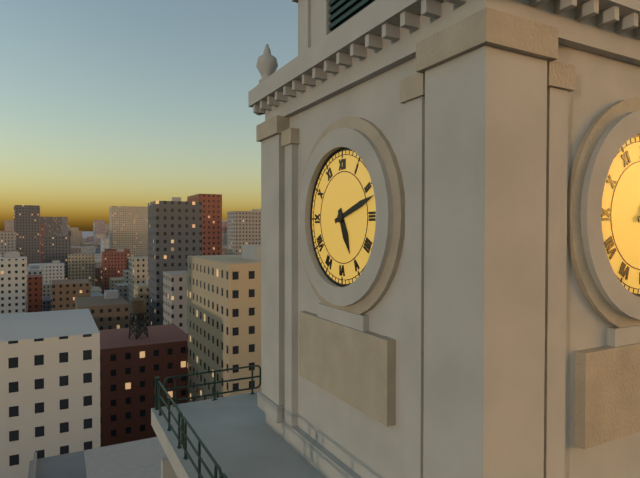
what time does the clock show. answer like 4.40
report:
5.12
